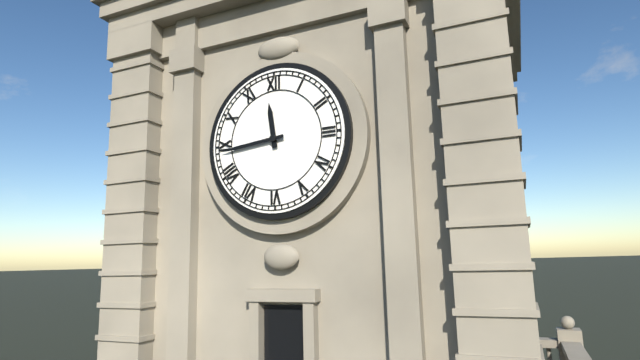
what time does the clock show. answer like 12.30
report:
11.44
